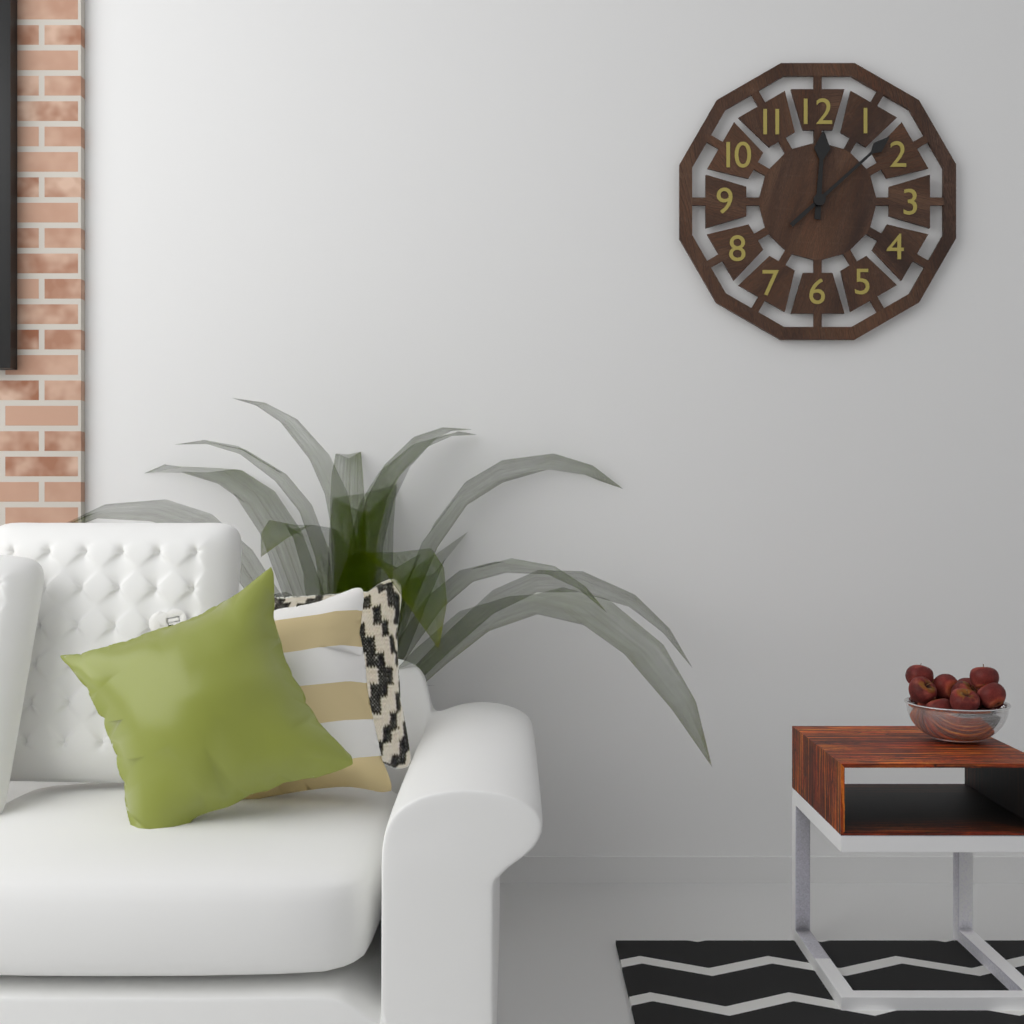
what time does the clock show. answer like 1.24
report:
12.08
